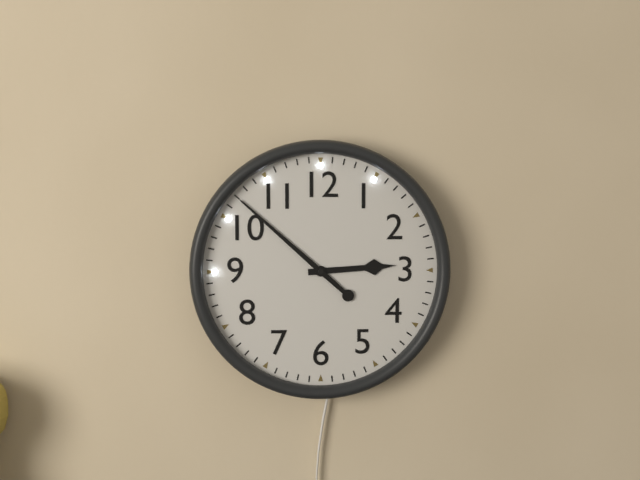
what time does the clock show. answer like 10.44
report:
2.52
